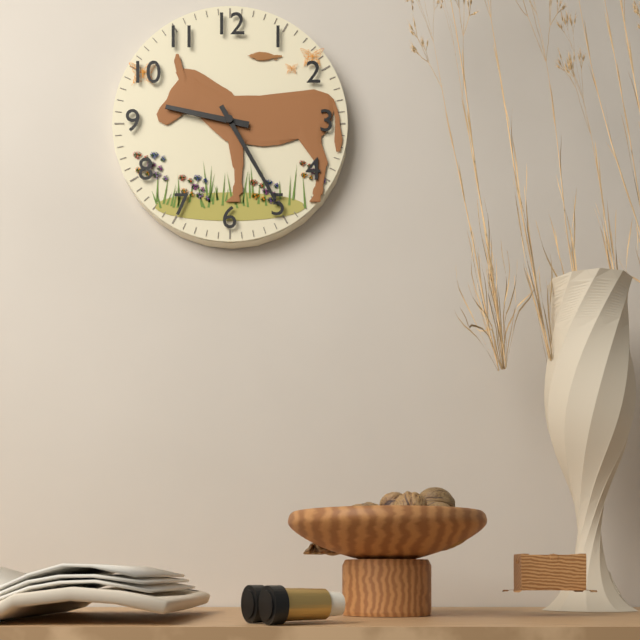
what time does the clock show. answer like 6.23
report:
9.25
